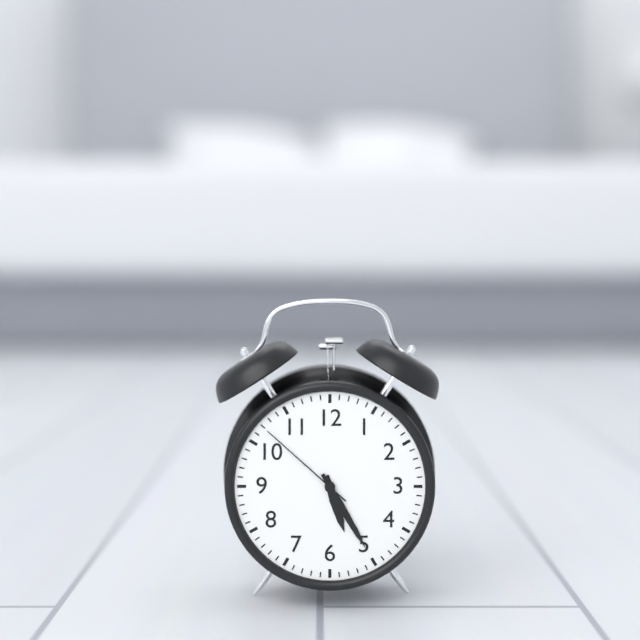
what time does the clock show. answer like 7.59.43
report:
5.25.52
